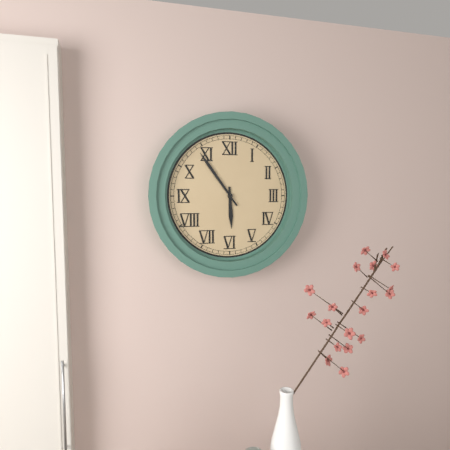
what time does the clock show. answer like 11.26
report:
5.54
